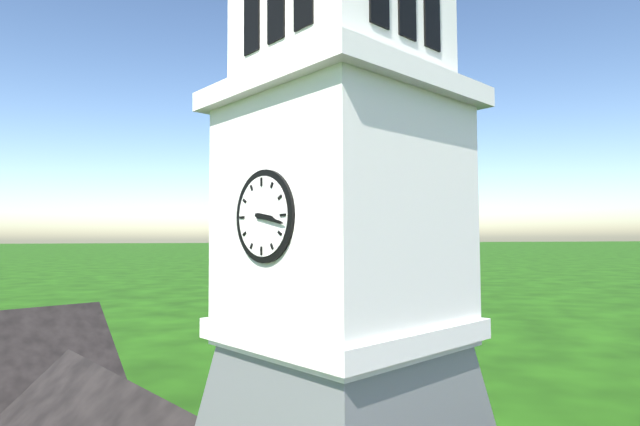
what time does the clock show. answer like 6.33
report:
3.17
